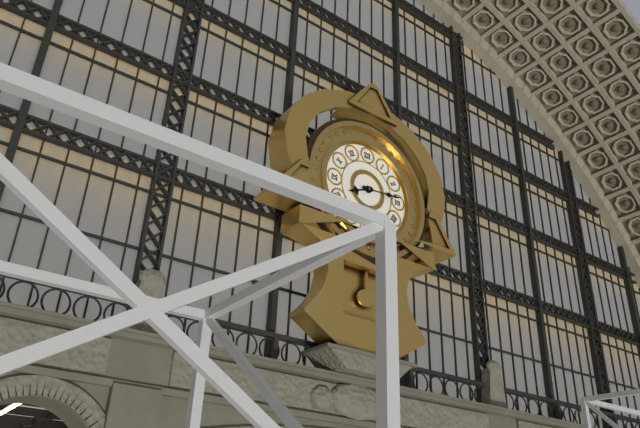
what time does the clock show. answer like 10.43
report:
8.14
